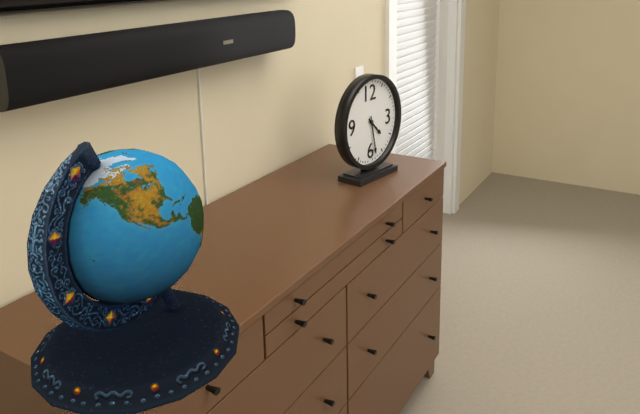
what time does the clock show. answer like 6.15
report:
4.28
